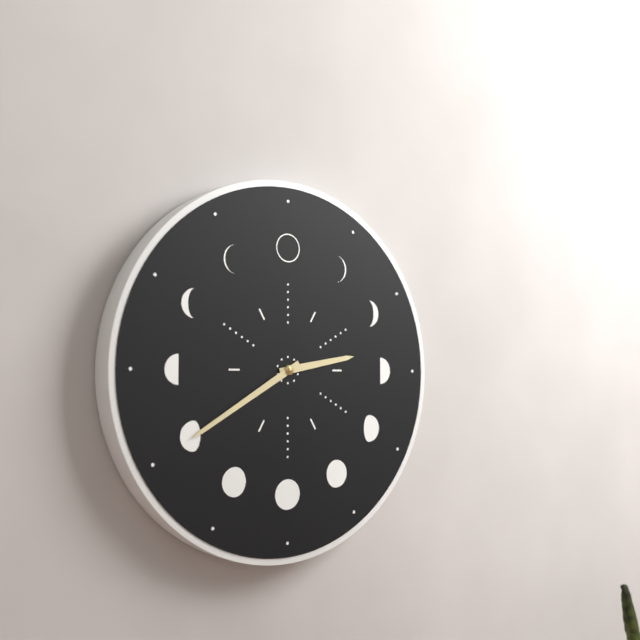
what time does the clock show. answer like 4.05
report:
2.40
